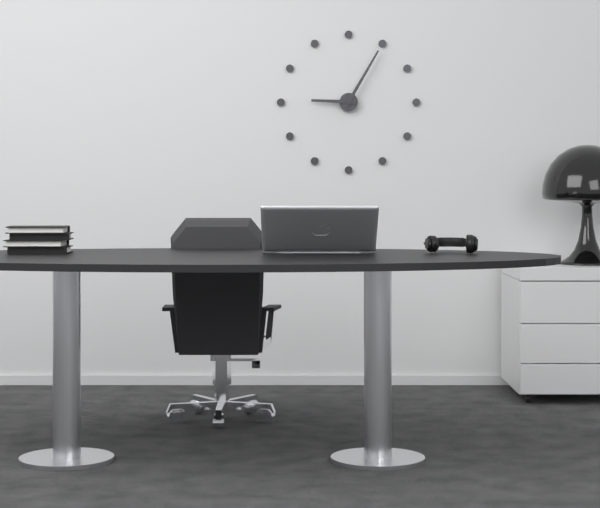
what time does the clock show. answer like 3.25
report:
9.05
